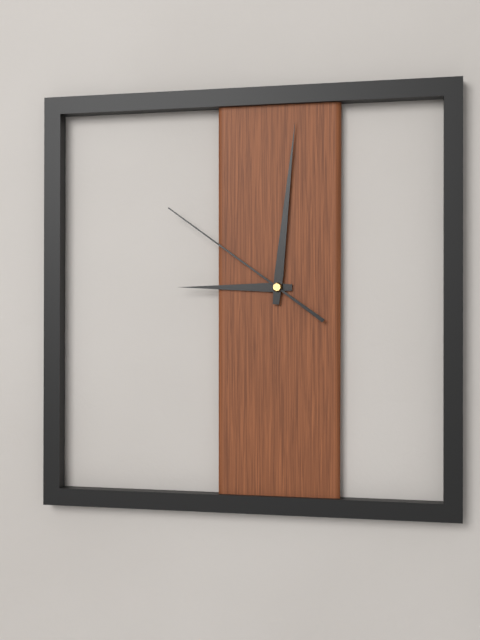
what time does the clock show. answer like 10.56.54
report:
9.01.51
